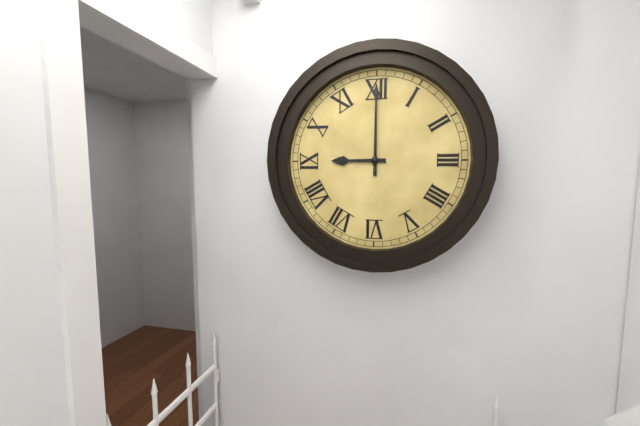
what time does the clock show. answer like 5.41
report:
9.00
